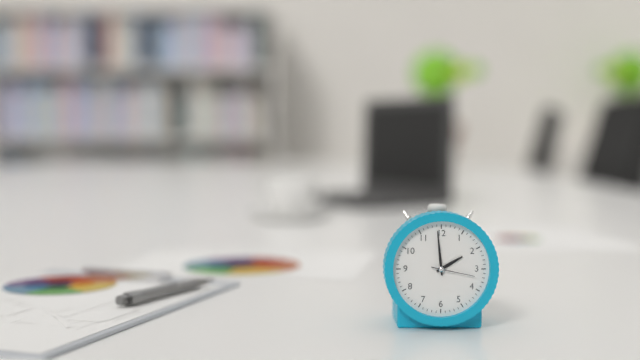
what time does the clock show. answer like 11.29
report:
1.59
